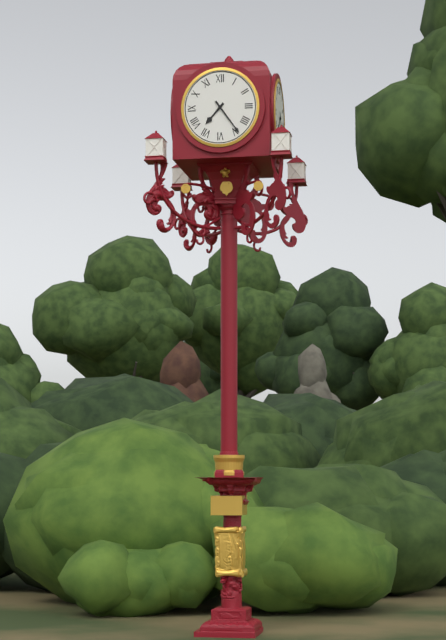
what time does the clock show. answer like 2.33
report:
7.24
